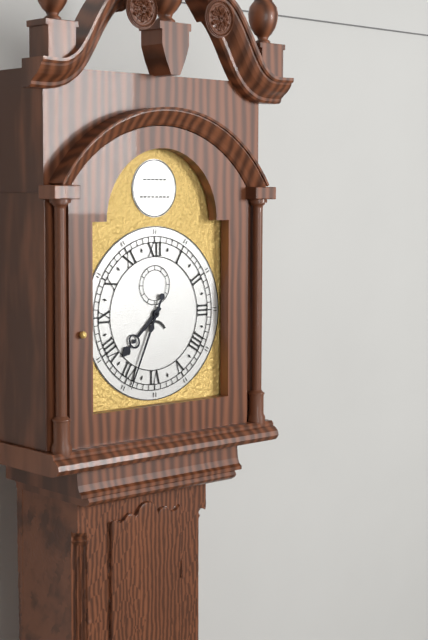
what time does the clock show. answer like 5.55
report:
7.34
